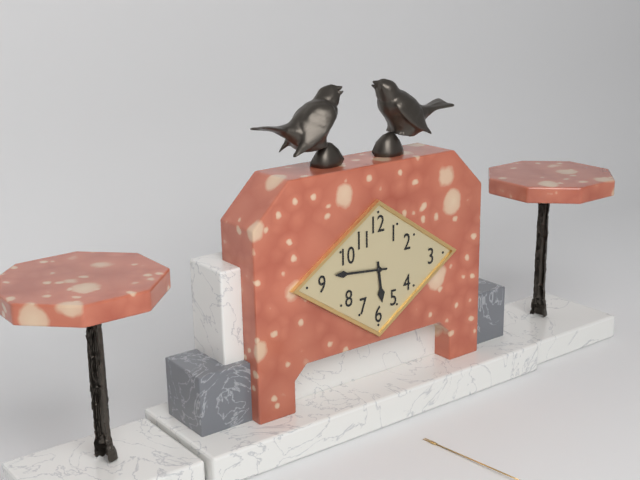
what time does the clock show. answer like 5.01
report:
5.46
